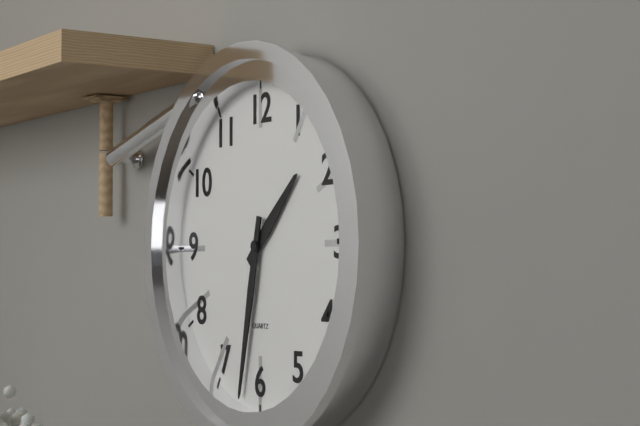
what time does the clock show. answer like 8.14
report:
1.32
